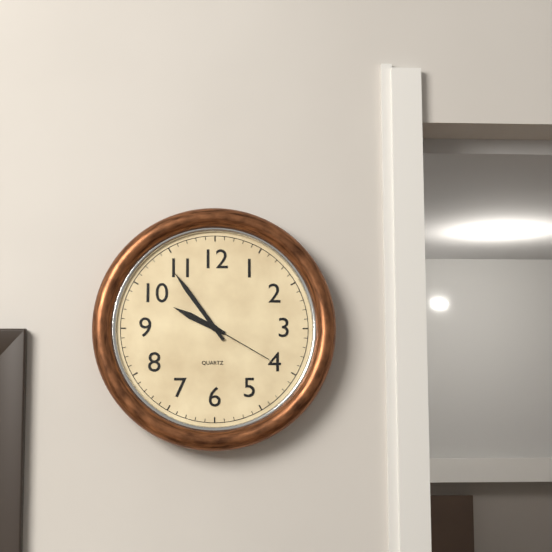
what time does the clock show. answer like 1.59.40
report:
9.54.20
